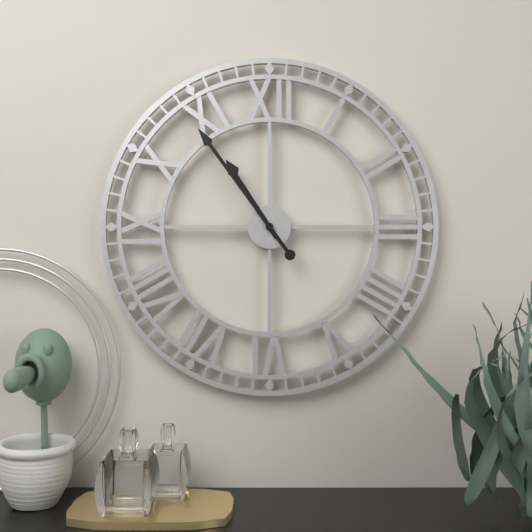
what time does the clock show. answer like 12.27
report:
10.54
